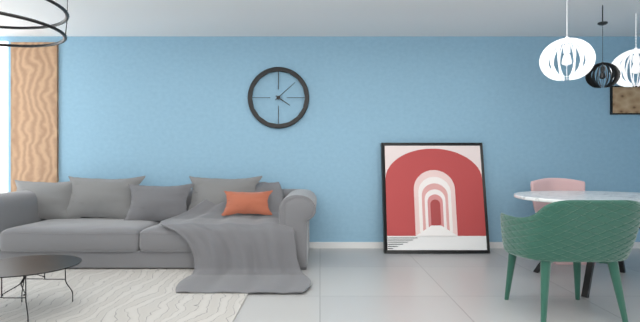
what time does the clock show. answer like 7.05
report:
4.08
